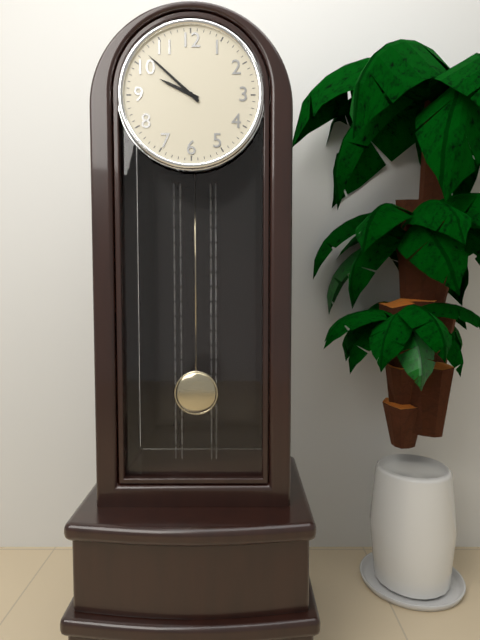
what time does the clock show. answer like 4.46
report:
9.52
